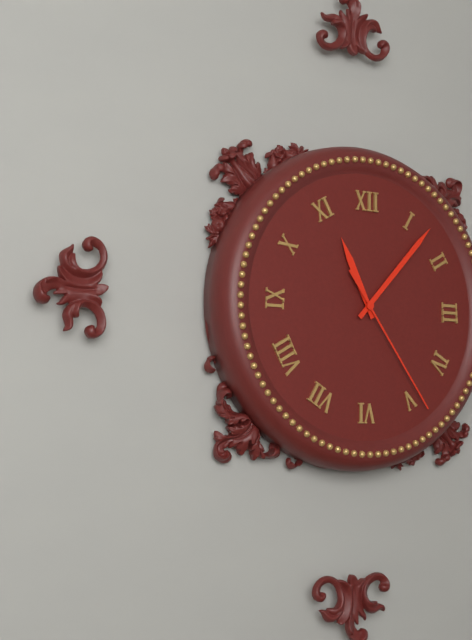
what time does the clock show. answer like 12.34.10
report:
11.07.24
